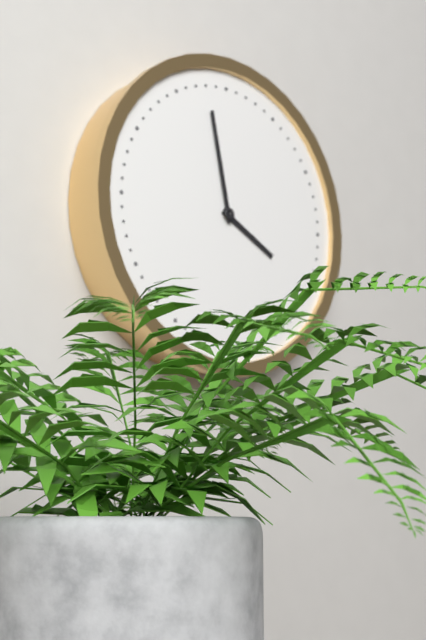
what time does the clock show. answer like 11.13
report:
3.58
